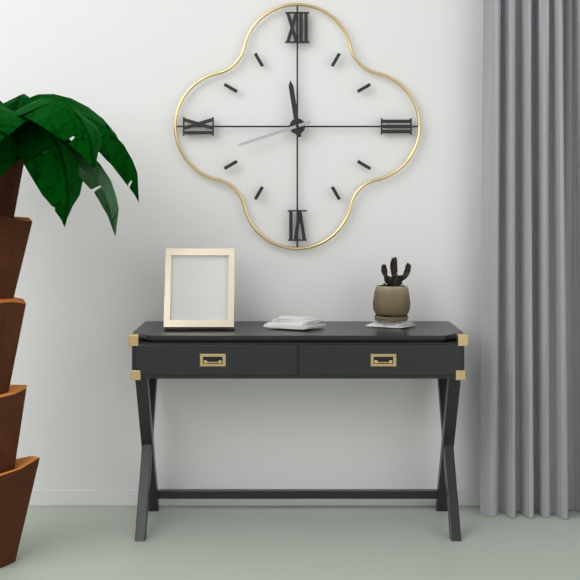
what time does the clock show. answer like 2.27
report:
11.42
